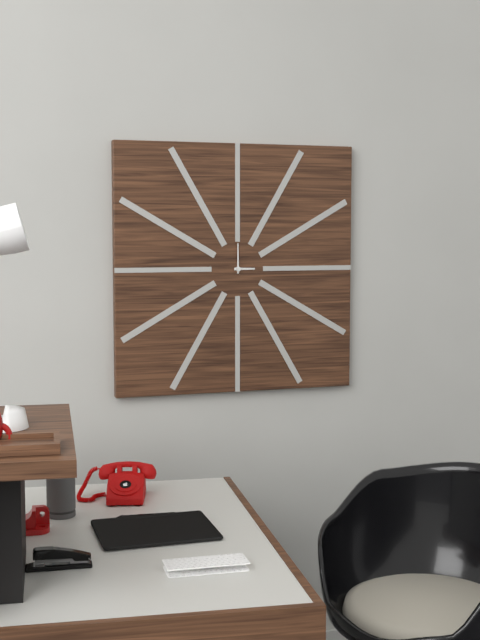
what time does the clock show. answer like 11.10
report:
3.00
